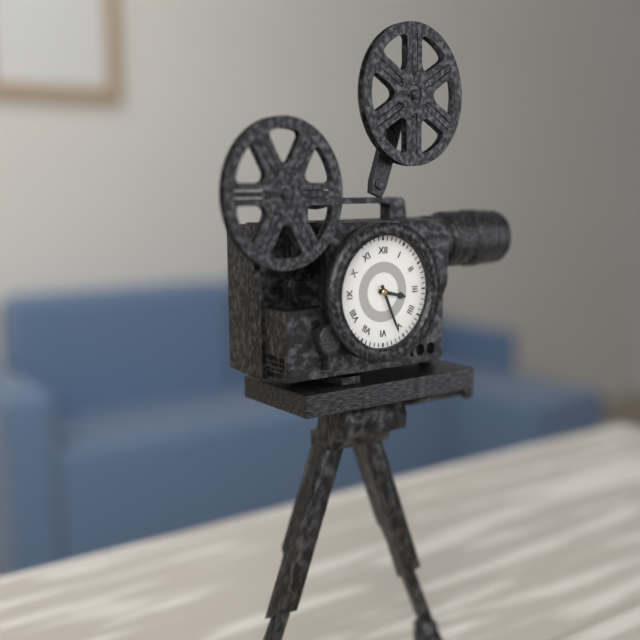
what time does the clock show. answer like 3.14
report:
3.26
